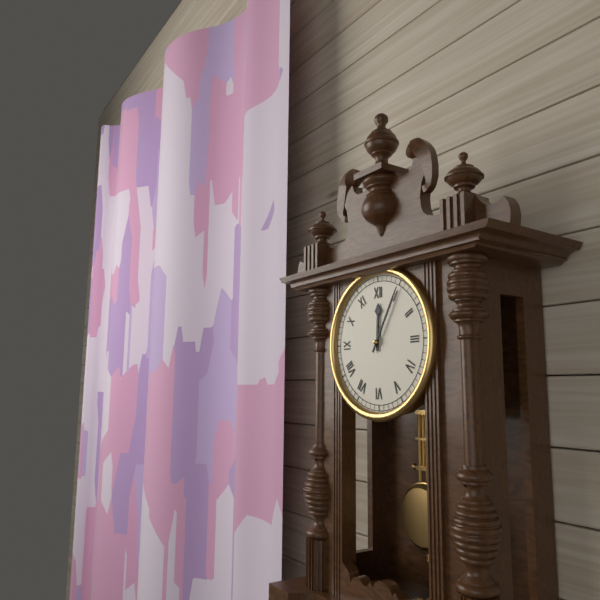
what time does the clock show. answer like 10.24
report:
12.05
